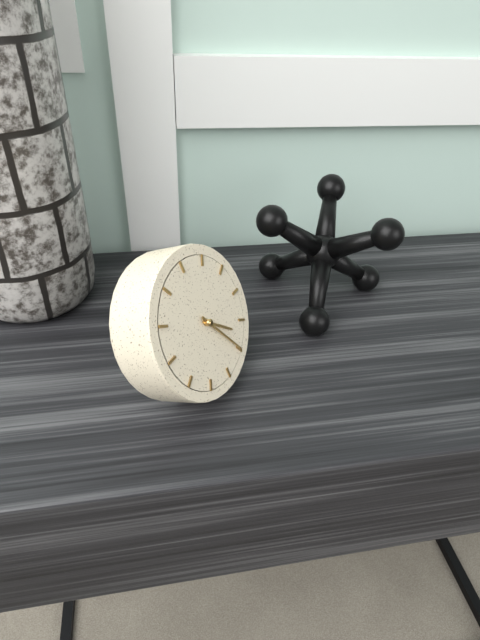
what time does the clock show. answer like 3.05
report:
4.25
